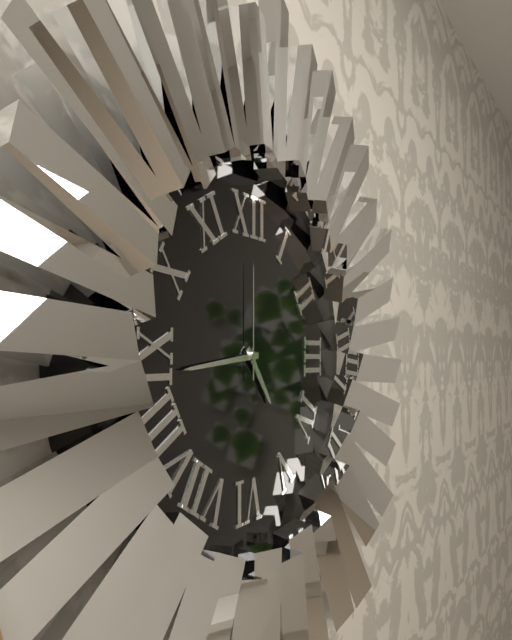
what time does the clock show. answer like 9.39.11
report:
4.44.00
